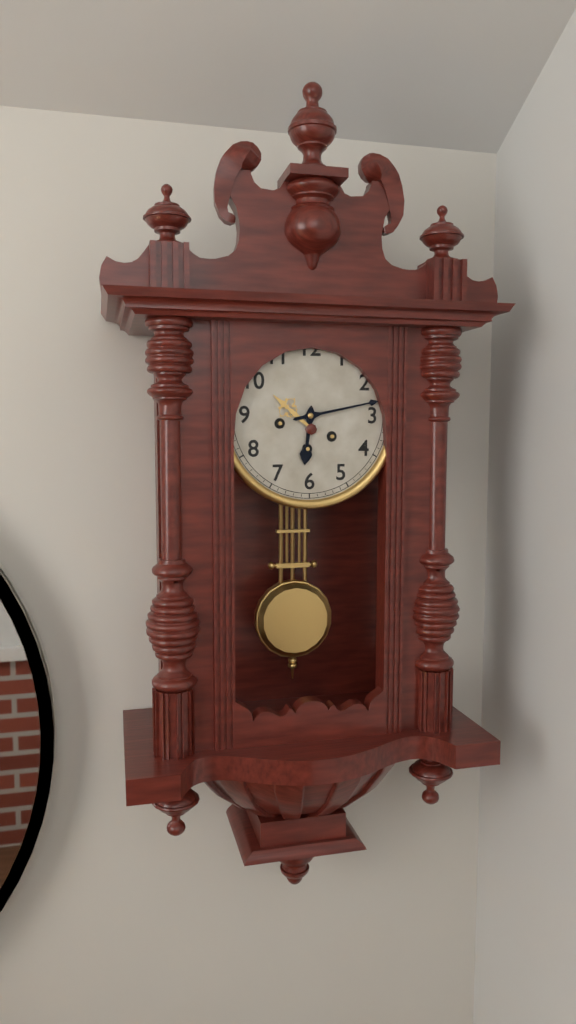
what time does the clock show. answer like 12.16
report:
6.13
